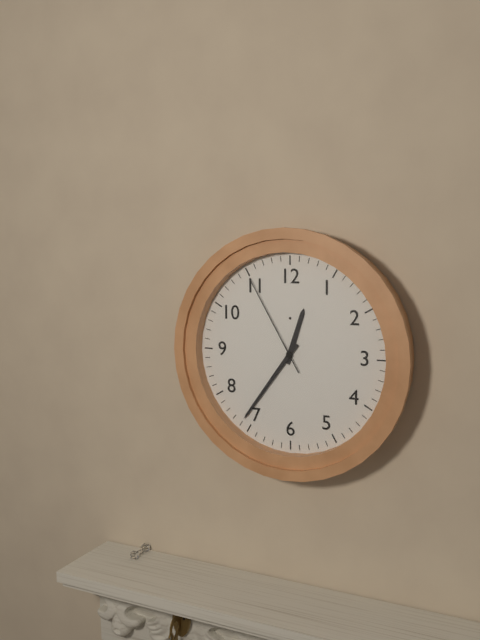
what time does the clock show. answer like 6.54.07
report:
12.36.55
